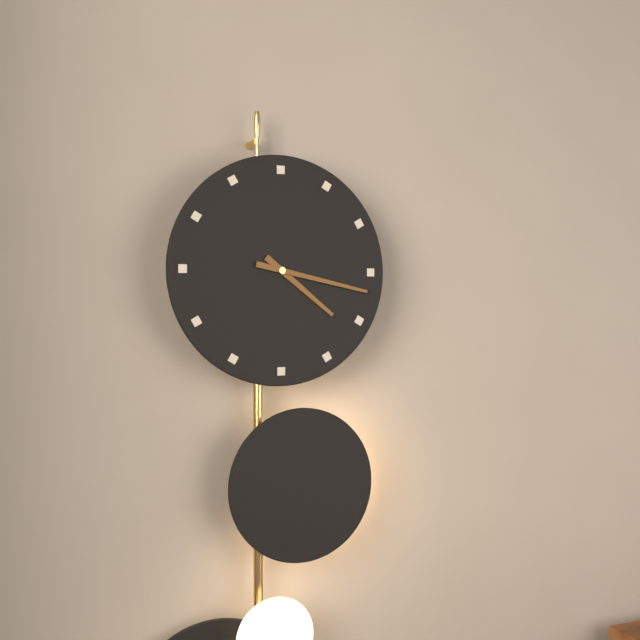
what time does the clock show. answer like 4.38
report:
4.17
